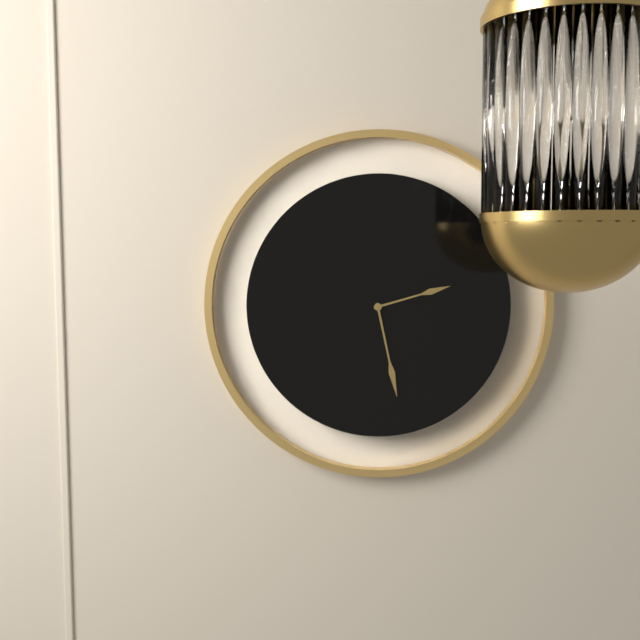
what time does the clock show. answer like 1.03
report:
2.28
